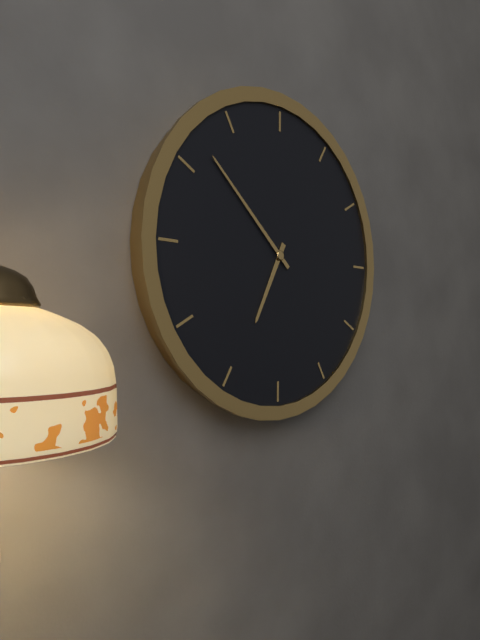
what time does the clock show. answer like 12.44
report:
6.52
